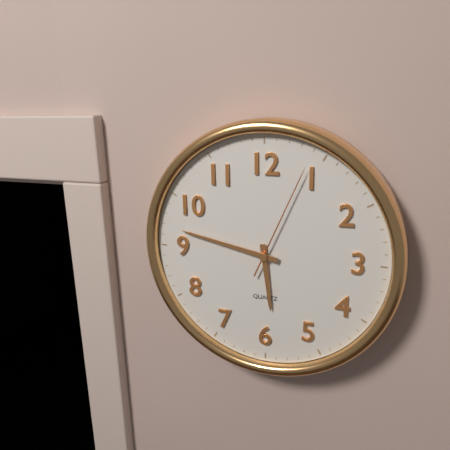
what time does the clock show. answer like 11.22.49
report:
5.47.04
